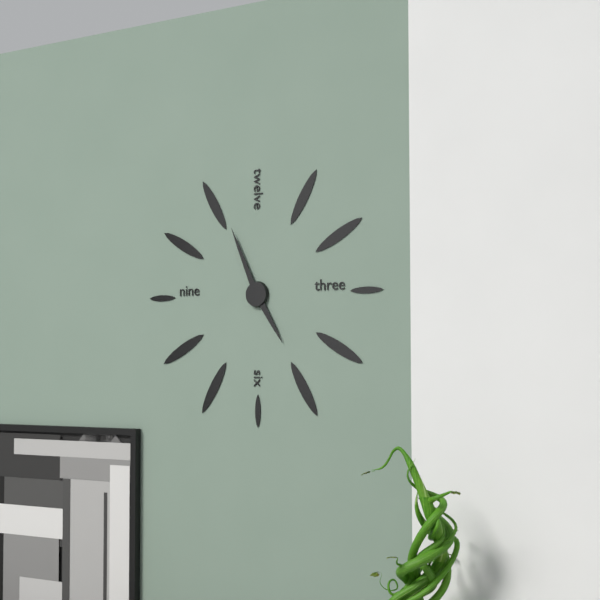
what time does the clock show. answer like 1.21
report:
4.56
